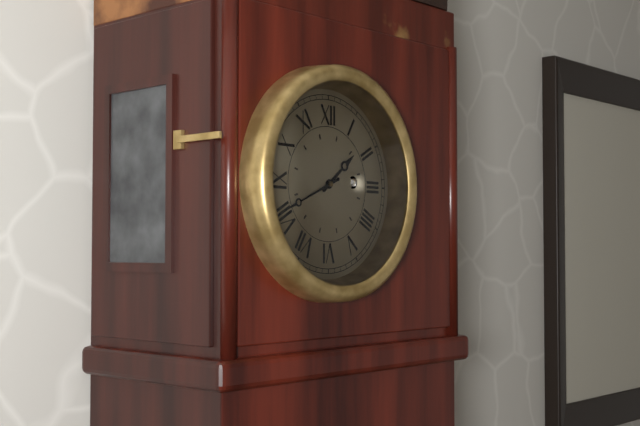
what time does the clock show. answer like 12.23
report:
1.41
